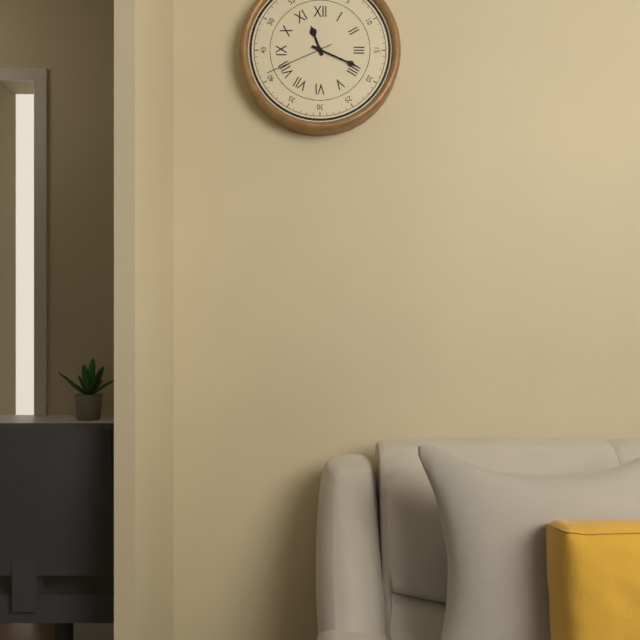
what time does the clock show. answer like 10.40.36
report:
11.19.41
